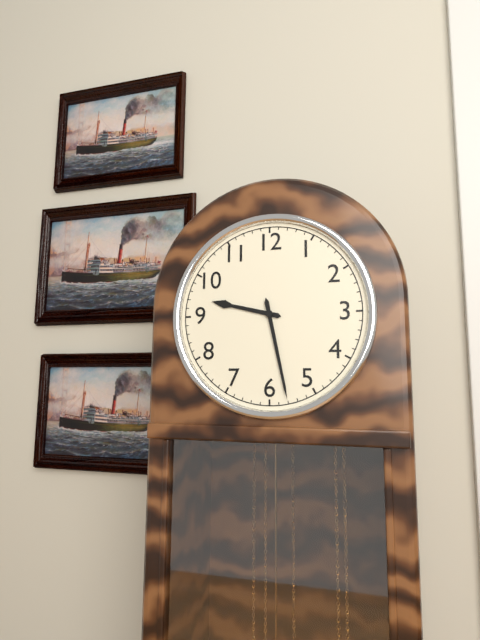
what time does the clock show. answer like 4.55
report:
9.28
